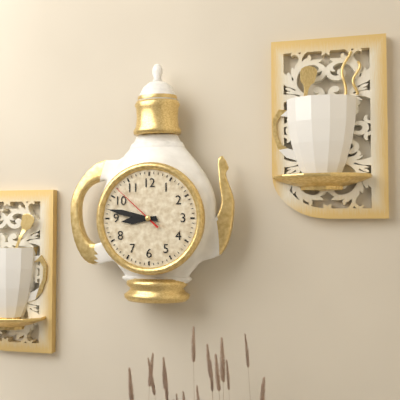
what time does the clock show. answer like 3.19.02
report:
8.47.52
